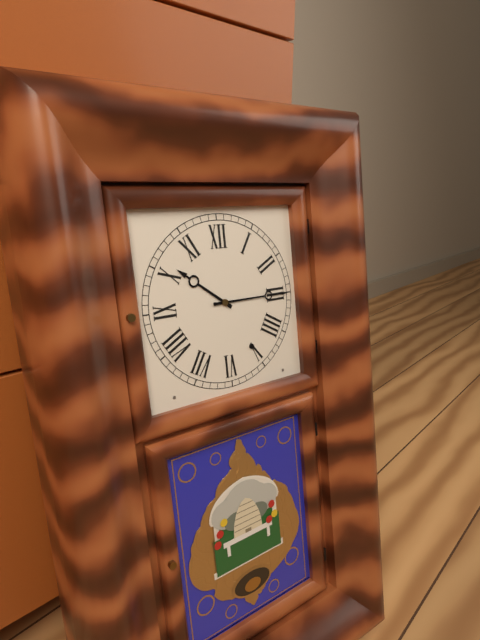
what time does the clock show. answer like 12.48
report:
10.15
